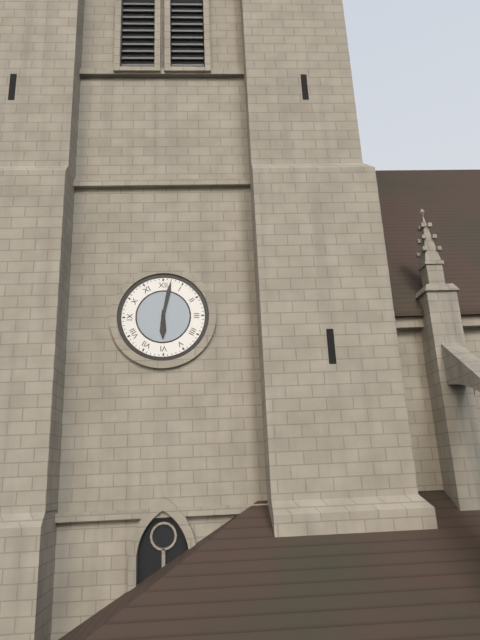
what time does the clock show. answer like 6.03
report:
6.02
